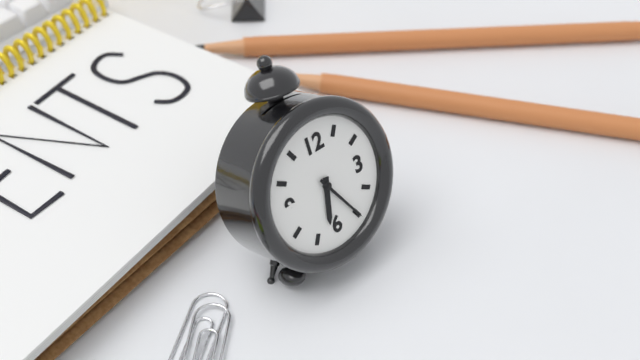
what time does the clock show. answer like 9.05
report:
6.25
